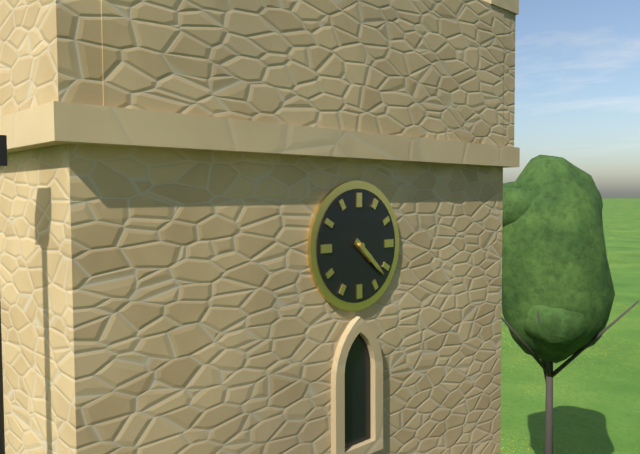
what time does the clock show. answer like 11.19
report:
4.22
